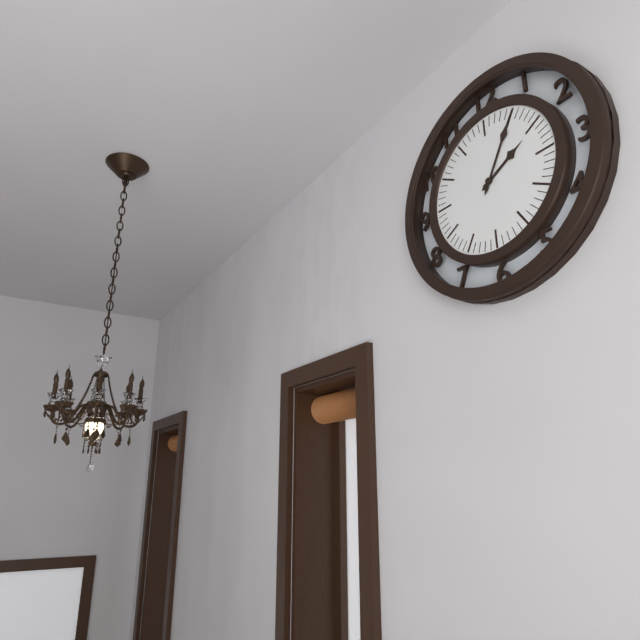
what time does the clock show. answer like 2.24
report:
2.05
